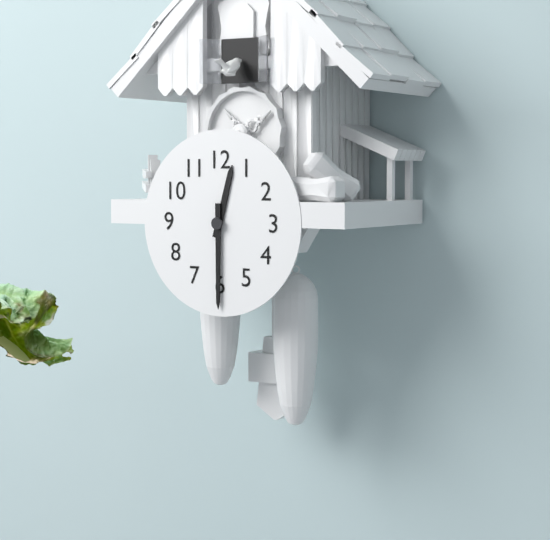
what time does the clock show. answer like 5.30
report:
12.30
